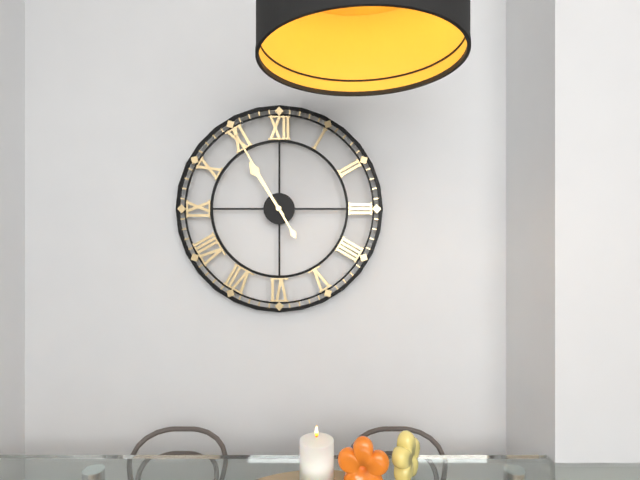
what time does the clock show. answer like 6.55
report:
10.55
